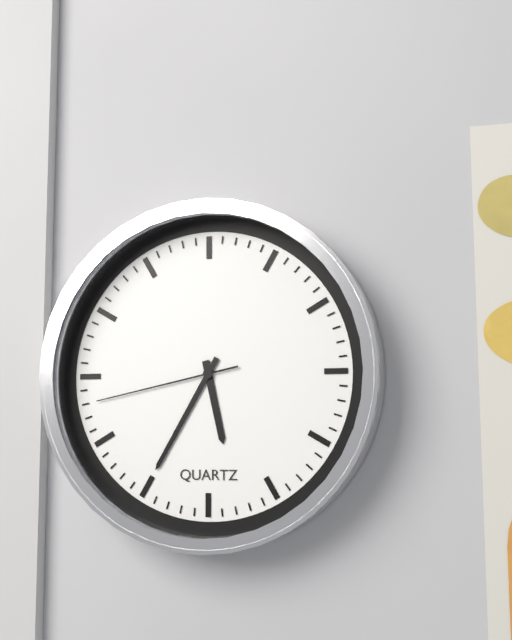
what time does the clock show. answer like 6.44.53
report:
5.35.43
